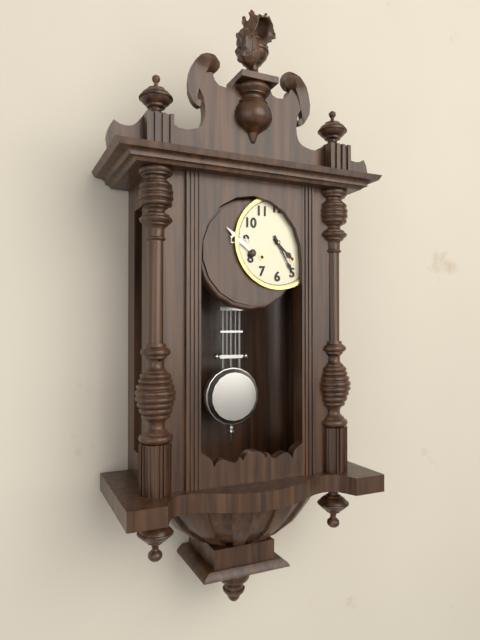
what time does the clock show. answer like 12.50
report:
4.25
